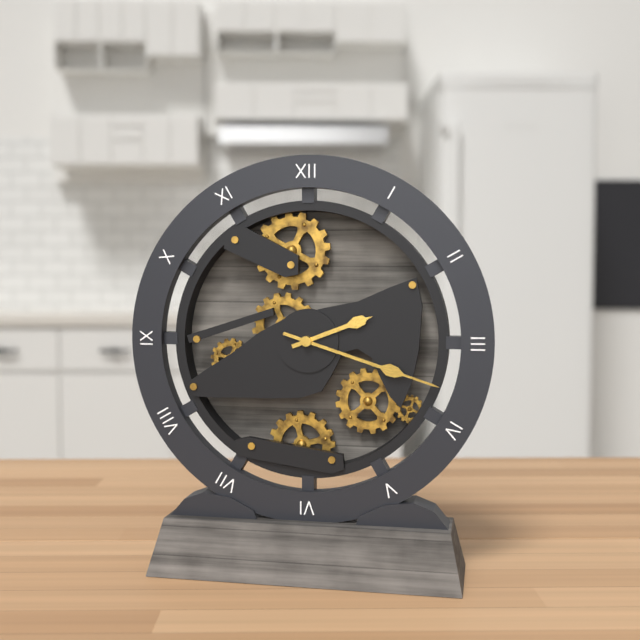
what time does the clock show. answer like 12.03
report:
2.18
